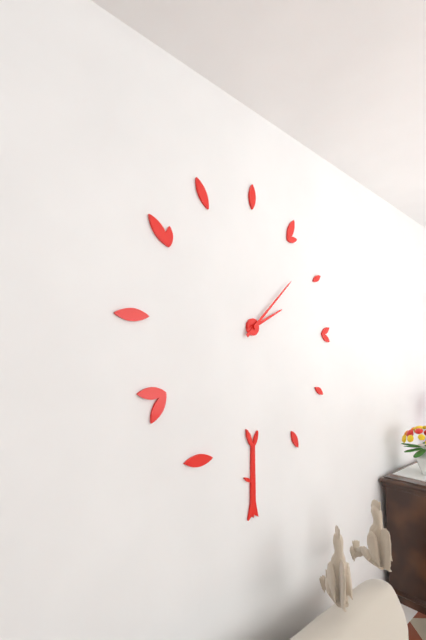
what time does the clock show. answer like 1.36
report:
2.08
